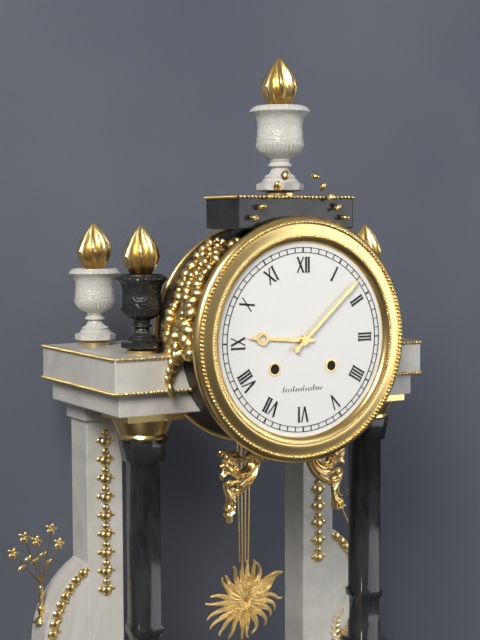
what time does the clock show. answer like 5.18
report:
9.08
